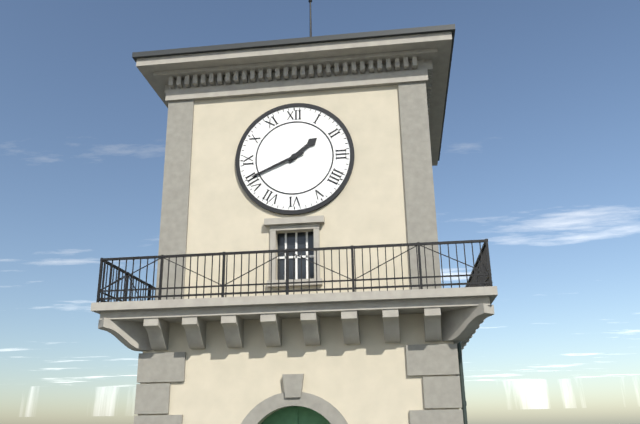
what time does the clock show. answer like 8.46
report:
1.41
